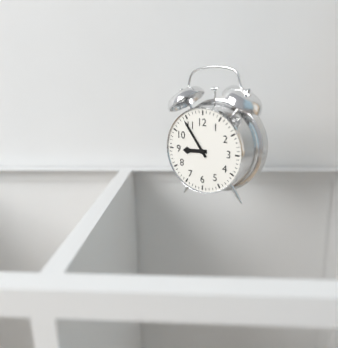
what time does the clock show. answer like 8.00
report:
8.54
